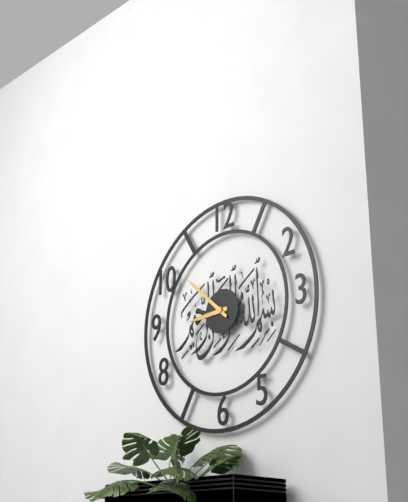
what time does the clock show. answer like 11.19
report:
8.52
